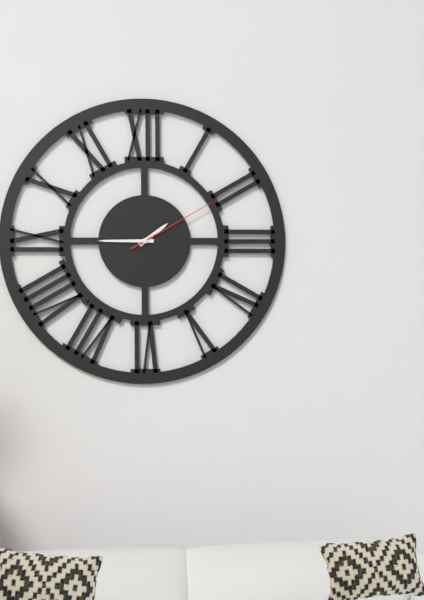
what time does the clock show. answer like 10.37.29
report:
1.45.10
